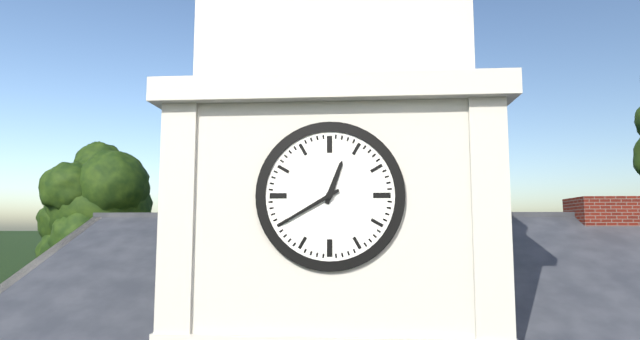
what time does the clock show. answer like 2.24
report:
12.40
